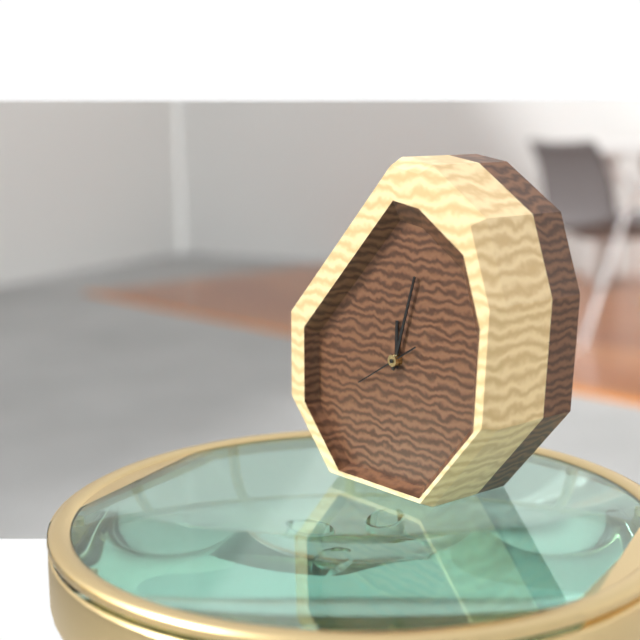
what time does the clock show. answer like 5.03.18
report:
12.03.40
